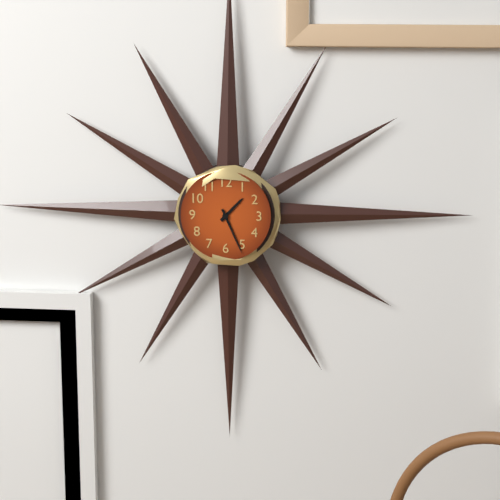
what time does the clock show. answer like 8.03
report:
1.26
